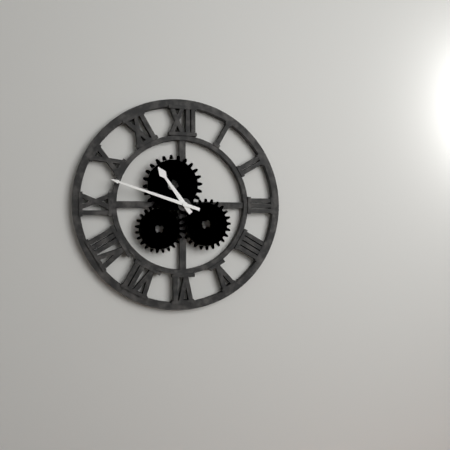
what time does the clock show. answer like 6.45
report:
10.48
